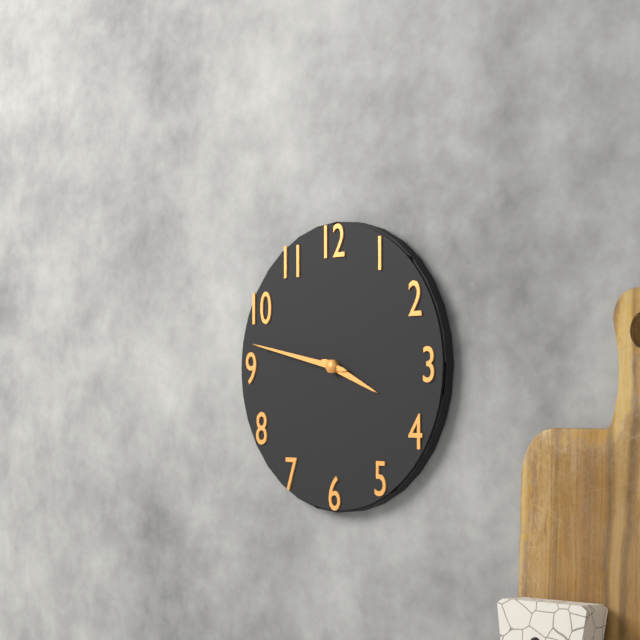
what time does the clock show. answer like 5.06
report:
3.47
